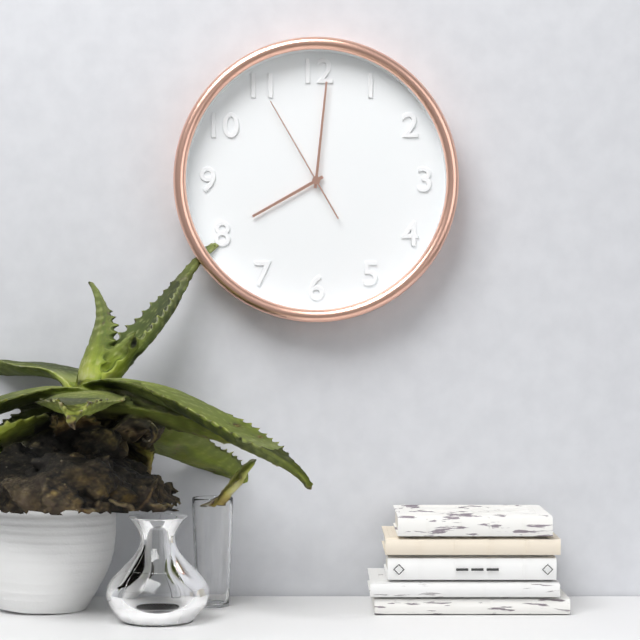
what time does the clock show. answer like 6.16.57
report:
8.01.55
